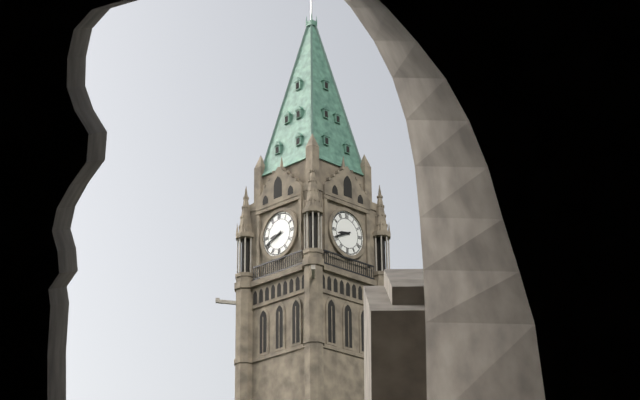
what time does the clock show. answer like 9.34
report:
8.41
